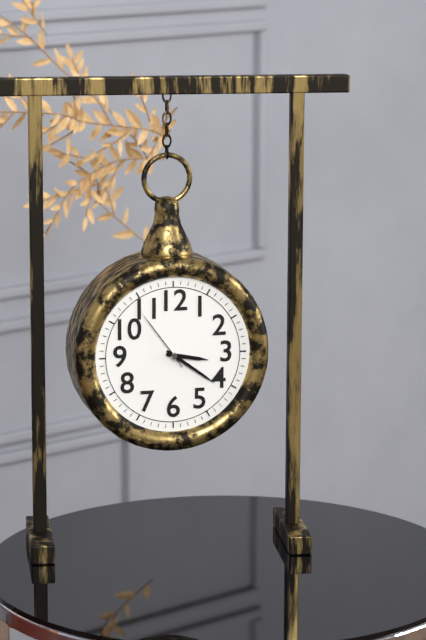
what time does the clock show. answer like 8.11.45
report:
3.21.54
